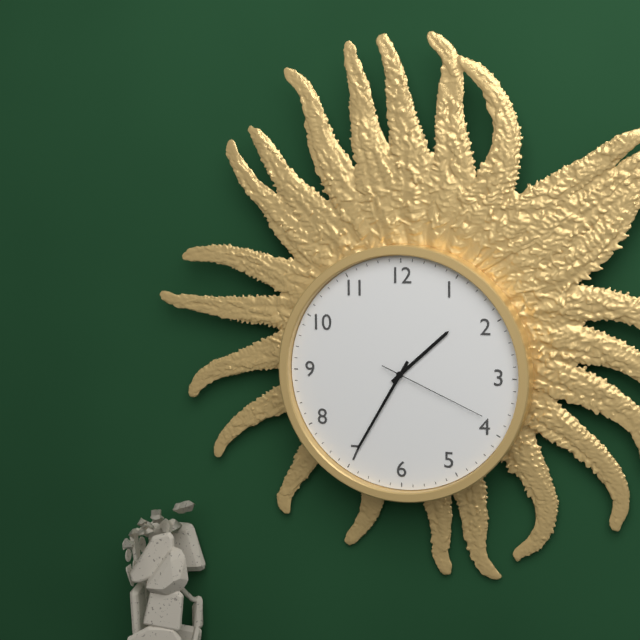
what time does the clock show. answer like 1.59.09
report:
1.35.19
